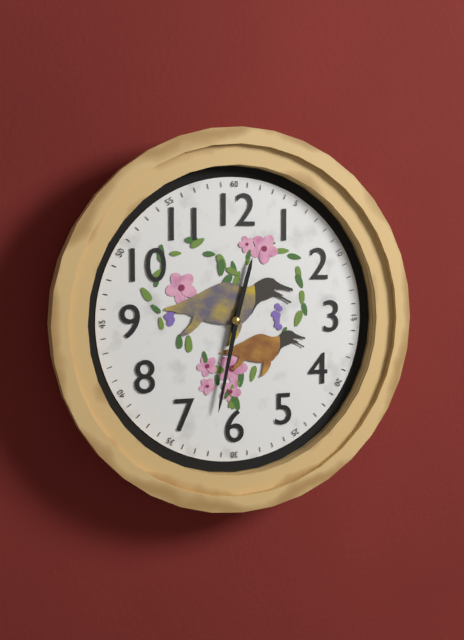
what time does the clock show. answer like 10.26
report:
12.32
